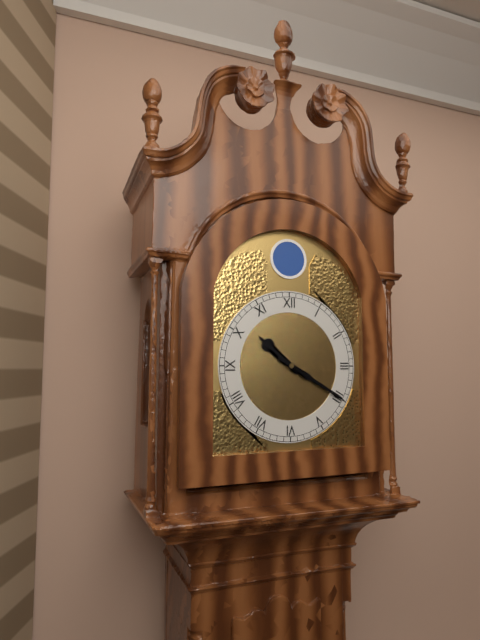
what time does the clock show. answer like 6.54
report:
10.20
